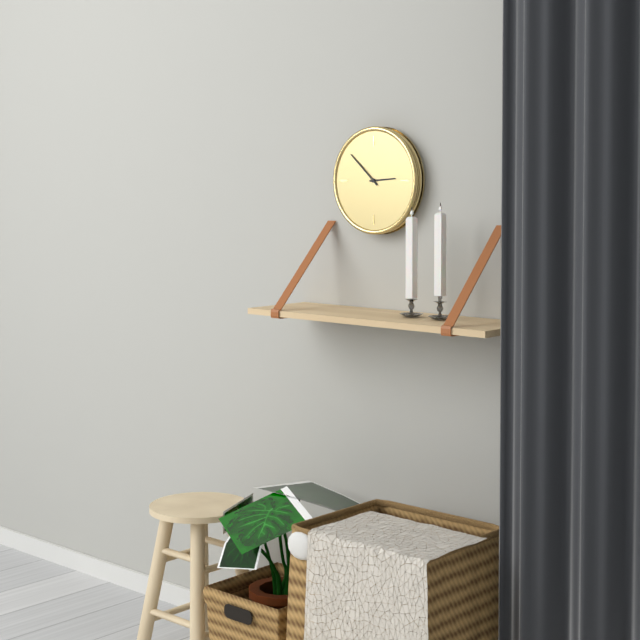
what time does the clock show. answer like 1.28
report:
2.52
